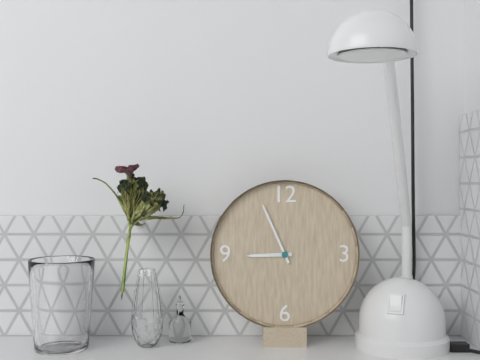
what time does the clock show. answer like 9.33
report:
8.56
